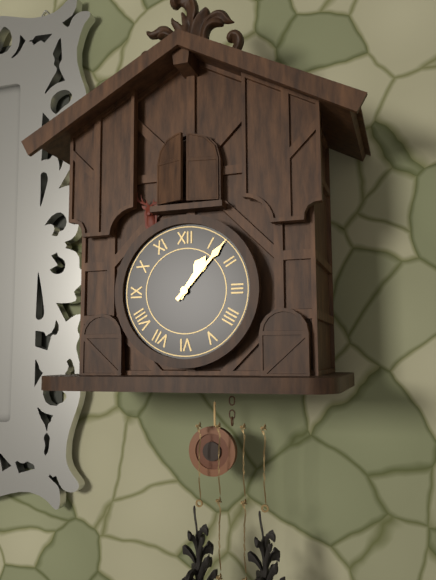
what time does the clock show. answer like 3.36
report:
1.07
